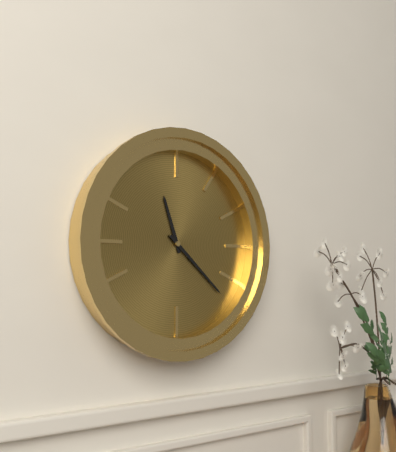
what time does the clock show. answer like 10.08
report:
11.22
